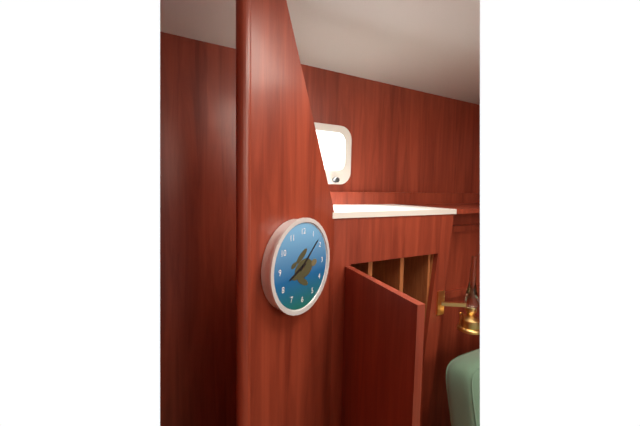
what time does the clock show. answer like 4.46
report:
8.08
